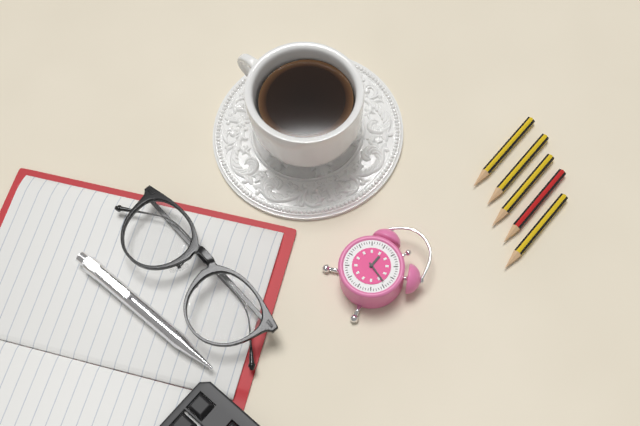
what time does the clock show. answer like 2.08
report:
11.14
